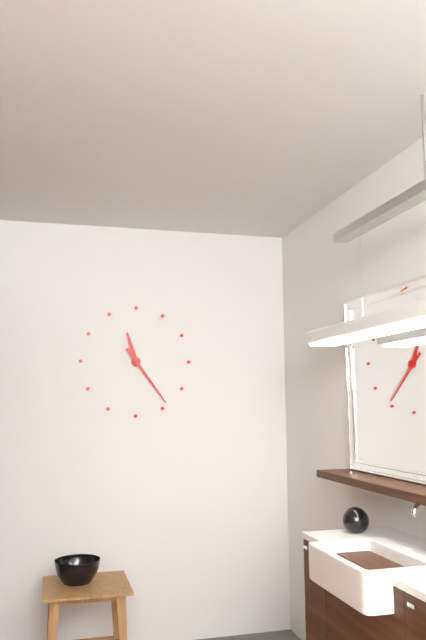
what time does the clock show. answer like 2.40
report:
11.24
